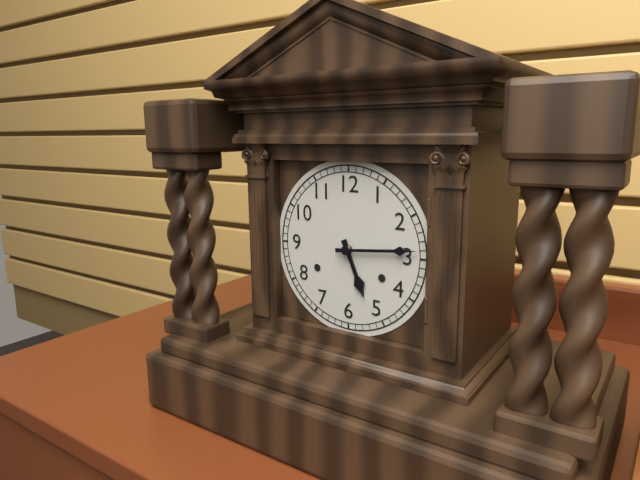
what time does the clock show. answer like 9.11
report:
5.14
